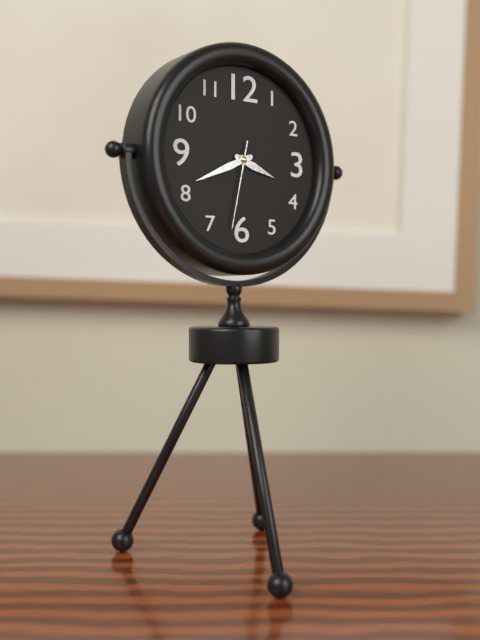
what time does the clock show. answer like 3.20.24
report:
3.41.32
